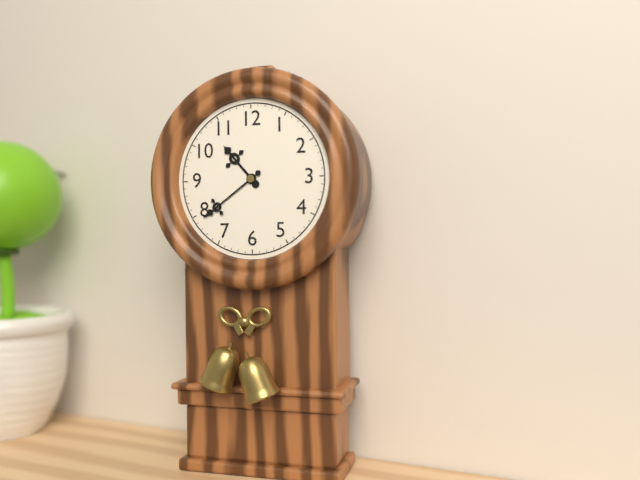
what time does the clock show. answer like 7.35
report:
10.39
